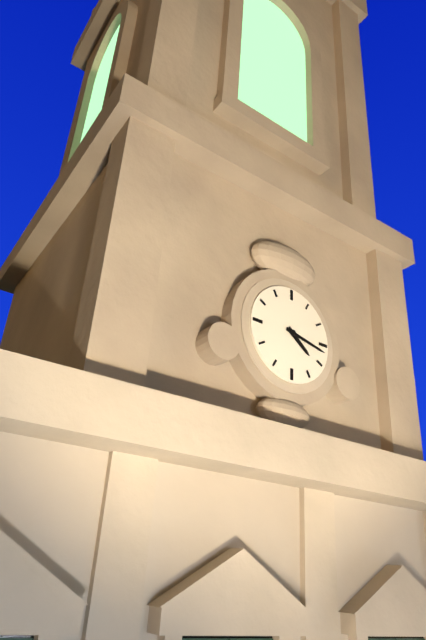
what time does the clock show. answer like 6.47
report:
4.17
